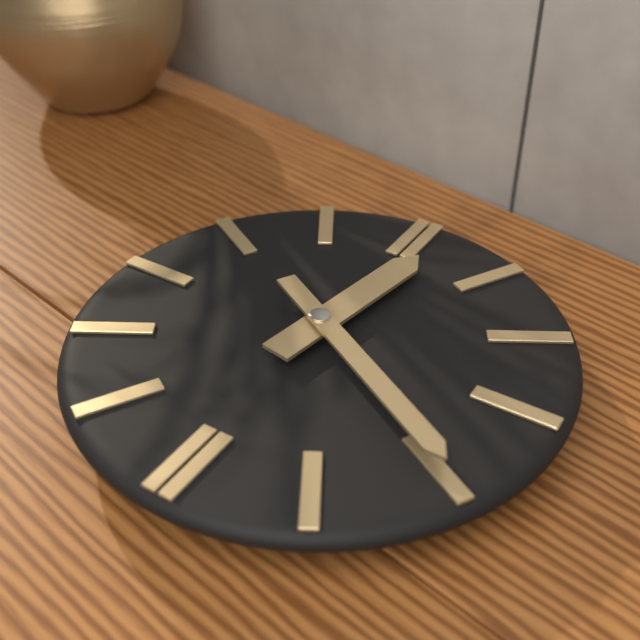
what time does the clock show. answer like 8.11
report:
12.20
